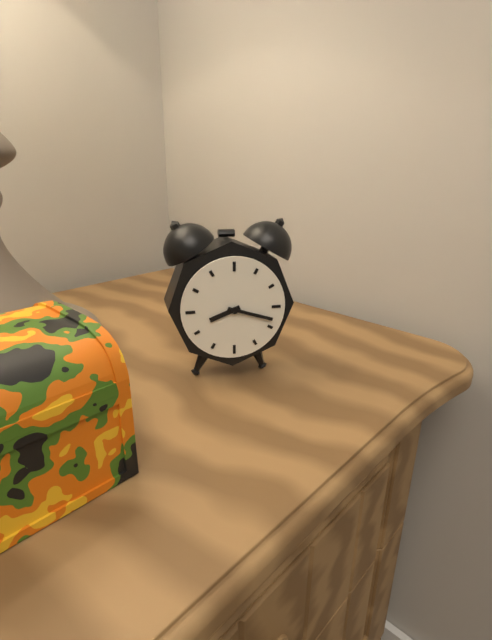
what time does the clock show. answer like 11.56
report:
8.18
